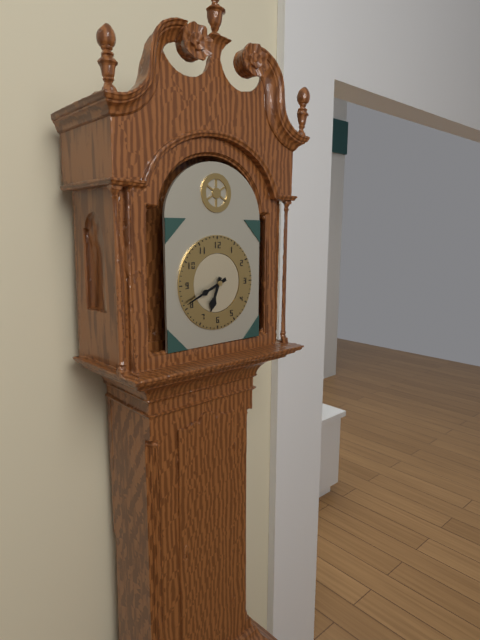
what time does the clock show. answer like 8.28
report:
6.41
